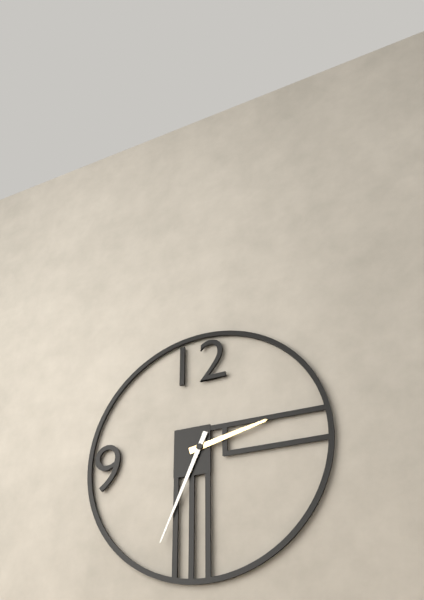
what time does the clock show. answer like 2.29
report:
2.34
